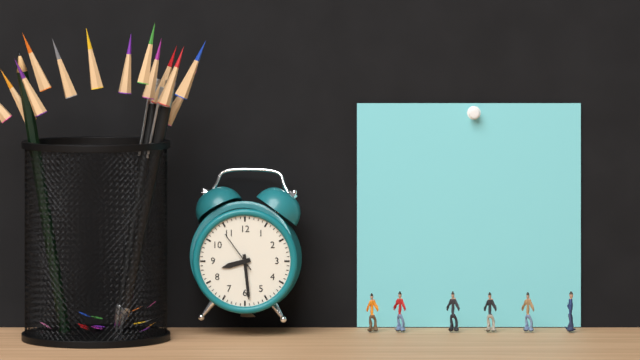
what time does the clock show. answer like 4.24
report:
8.29
